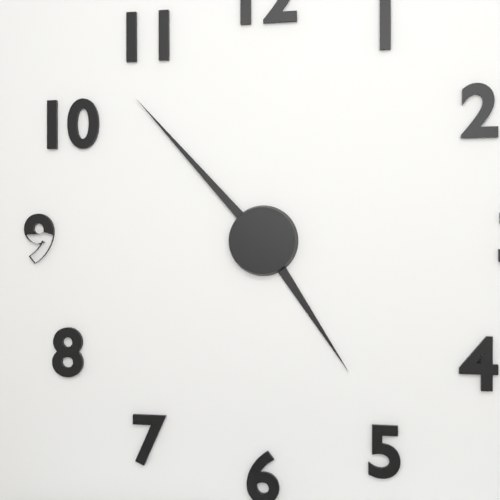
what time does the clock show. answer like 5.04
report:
4.53
